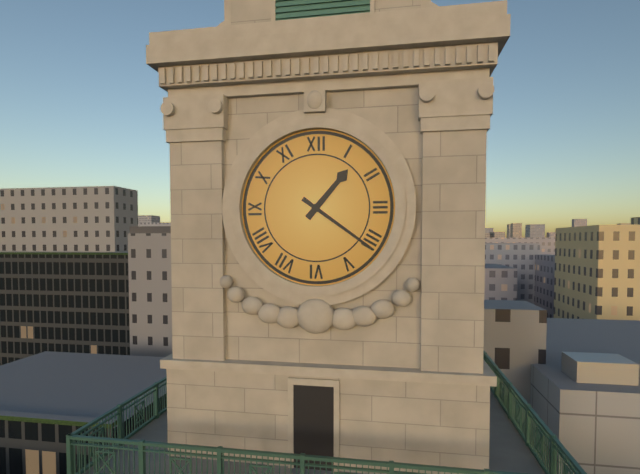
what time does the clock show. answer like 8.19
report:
1.21
